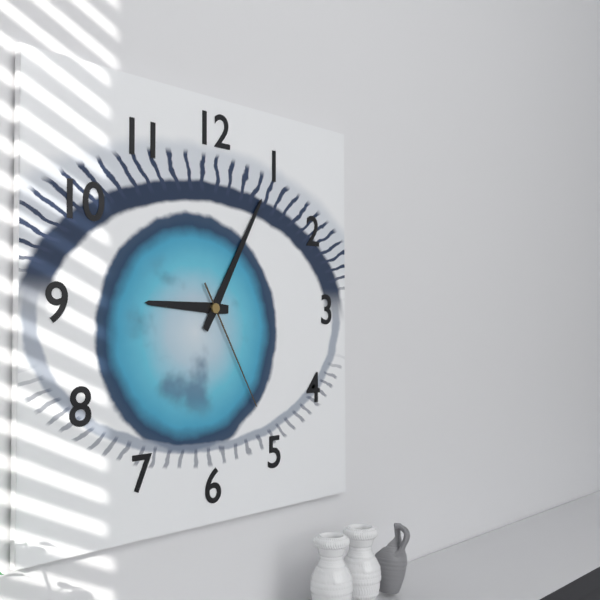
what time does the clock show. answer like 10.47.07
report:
9.05.25
